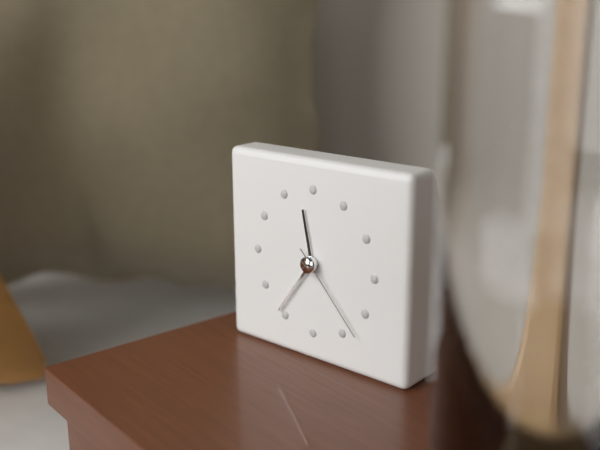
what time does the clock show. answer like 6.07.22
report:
11.36.23
